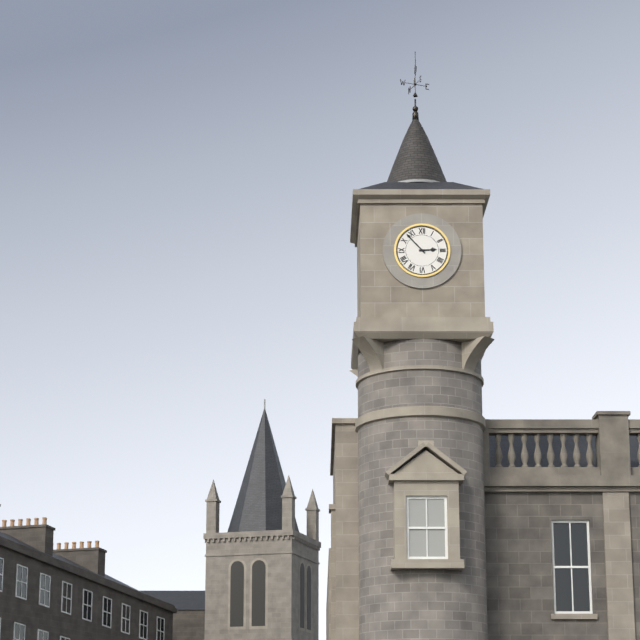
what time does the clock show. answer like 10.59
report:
2.53
